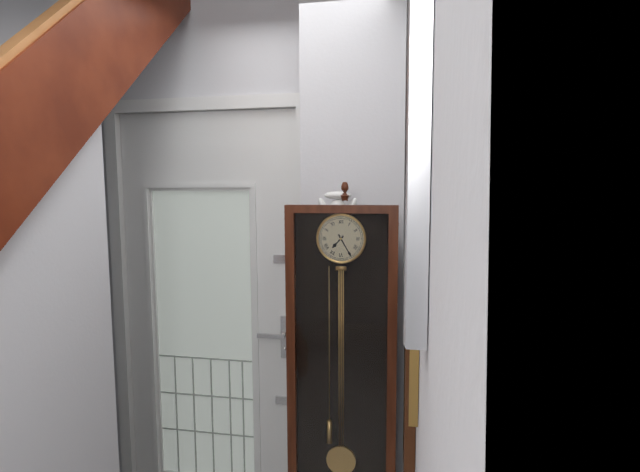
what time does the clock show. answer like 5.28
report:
7.25
